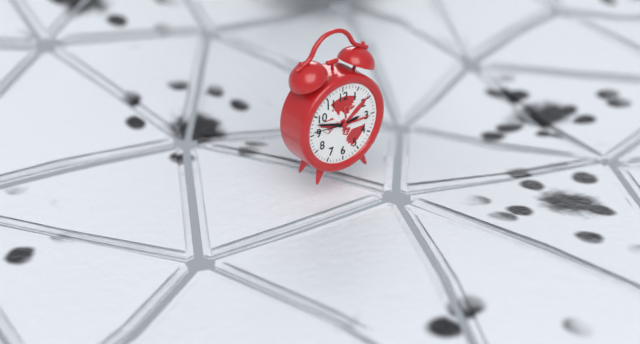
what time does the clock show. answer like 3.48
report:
2.48
